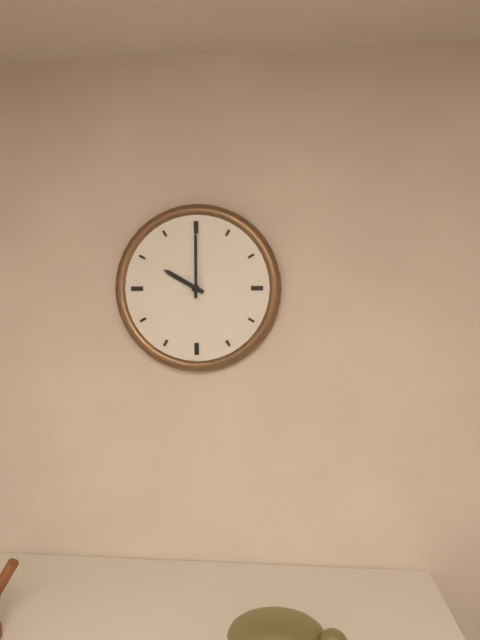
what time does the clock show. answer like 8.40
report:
10.00
